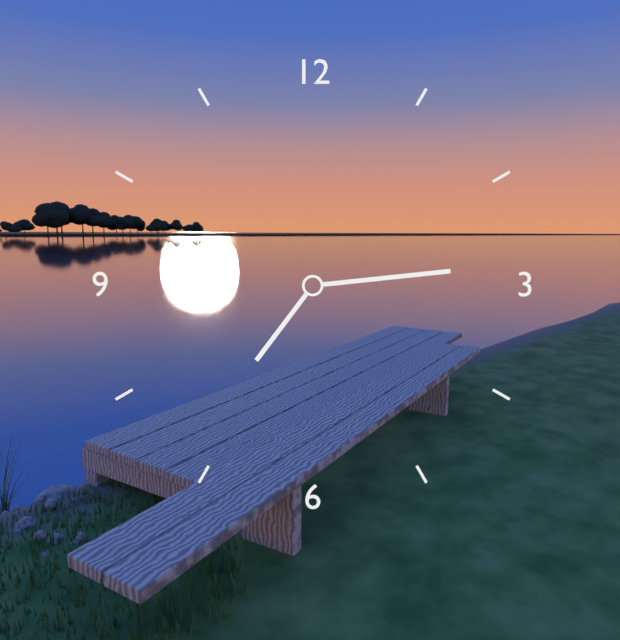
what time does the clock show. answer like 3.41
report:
7.14
